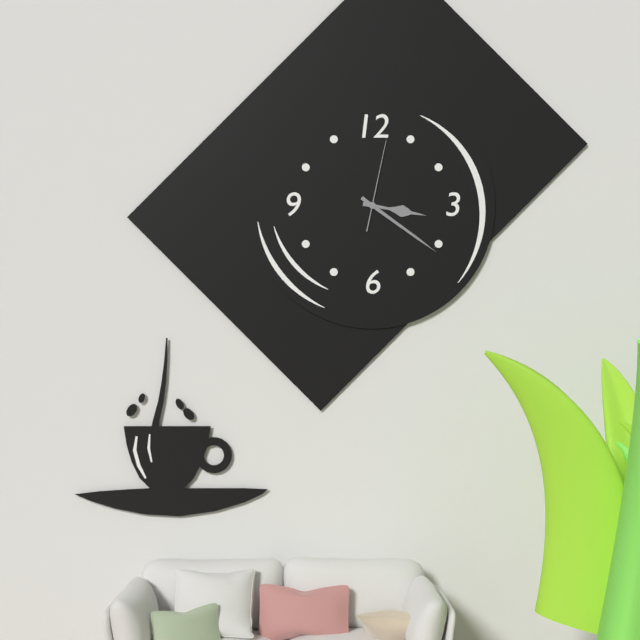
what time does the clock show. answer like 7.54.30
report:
3.21.02
